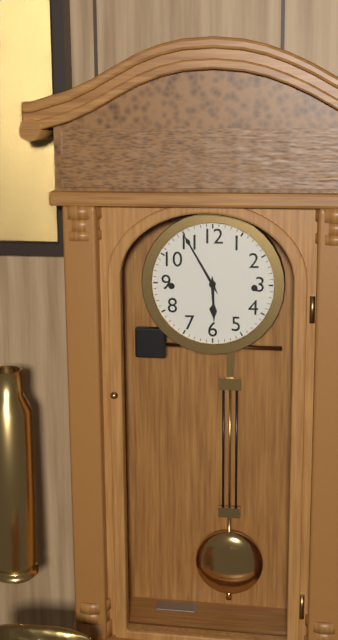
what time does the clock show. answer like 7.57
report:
5.55
